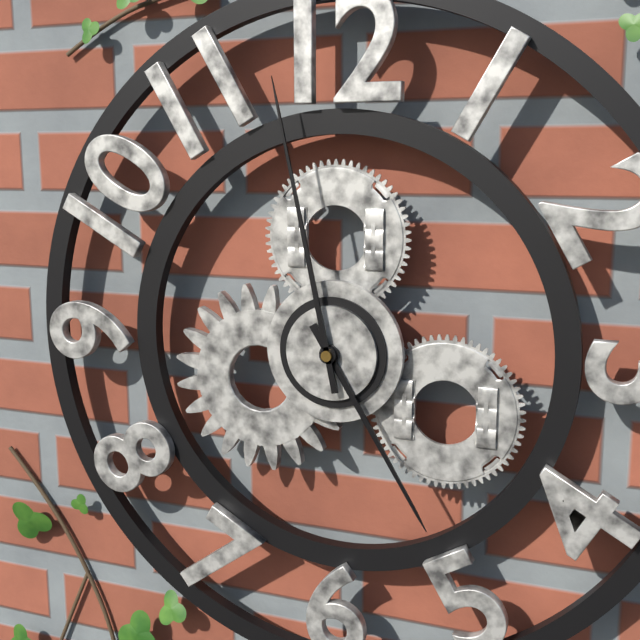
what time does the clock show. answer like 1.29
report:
4.58
